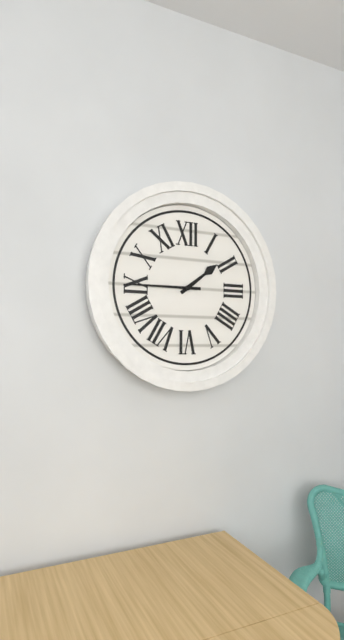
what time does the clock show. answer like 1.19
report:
1.45
